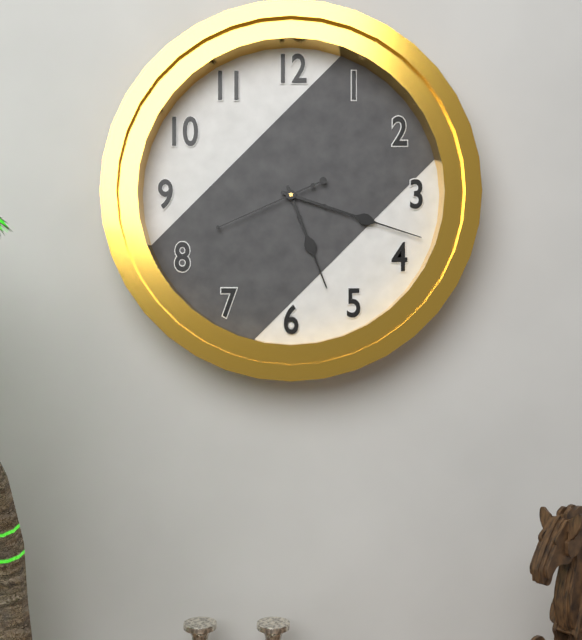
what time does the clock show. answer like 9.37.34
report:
5.18.41
